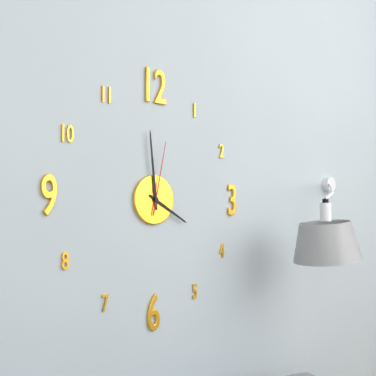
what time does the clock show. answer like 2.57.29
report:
3.59.02
